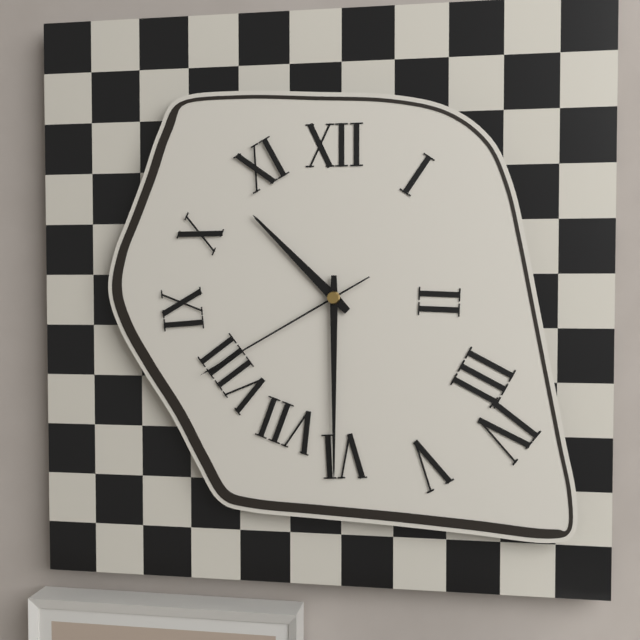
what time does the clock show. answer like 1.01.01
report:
10.30.40
